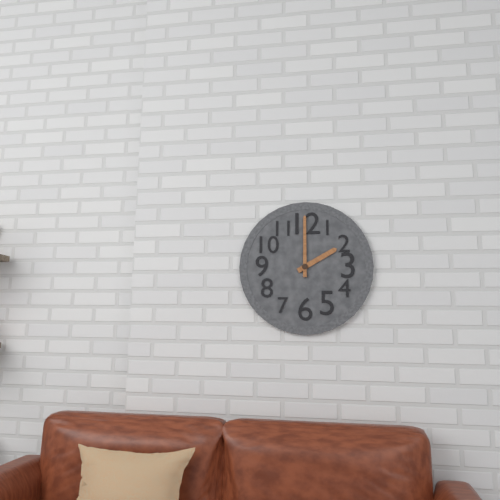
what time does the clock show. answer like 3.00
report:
2.00
